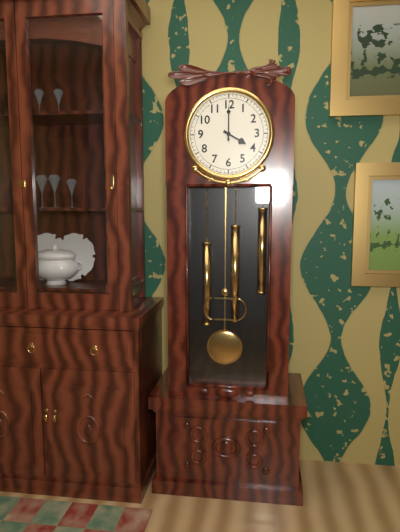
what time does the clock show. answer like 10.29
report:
4.00
